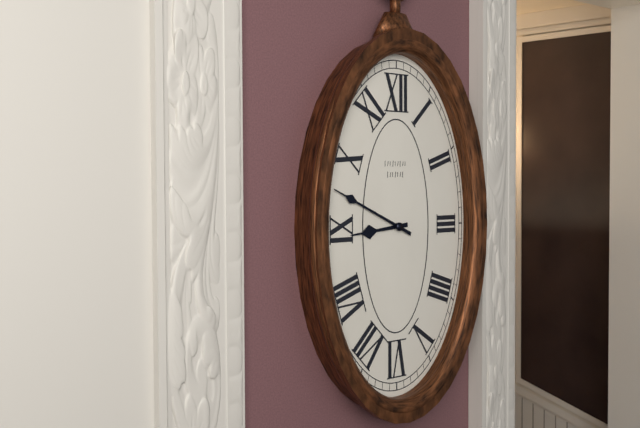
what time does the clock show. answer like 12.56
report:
8.49
